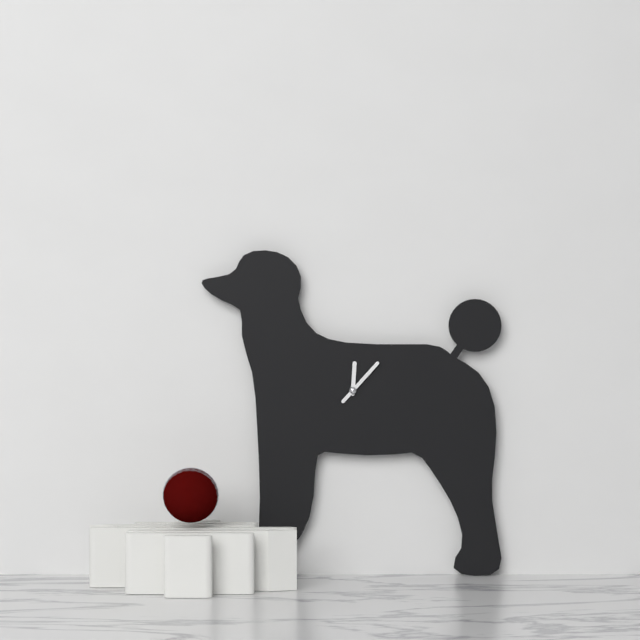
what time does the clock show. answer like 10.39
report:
12.07
